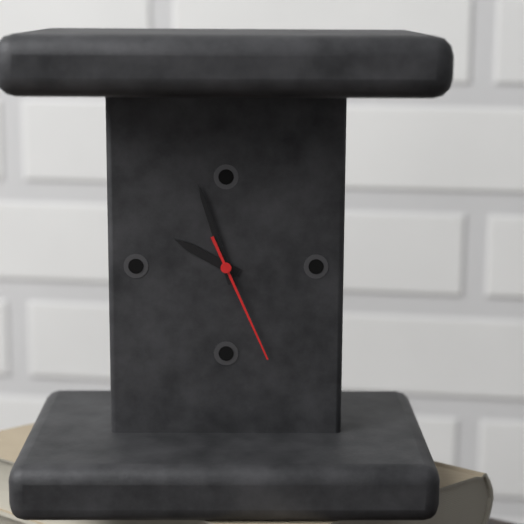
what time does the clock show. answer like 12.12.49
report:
9.57.26
